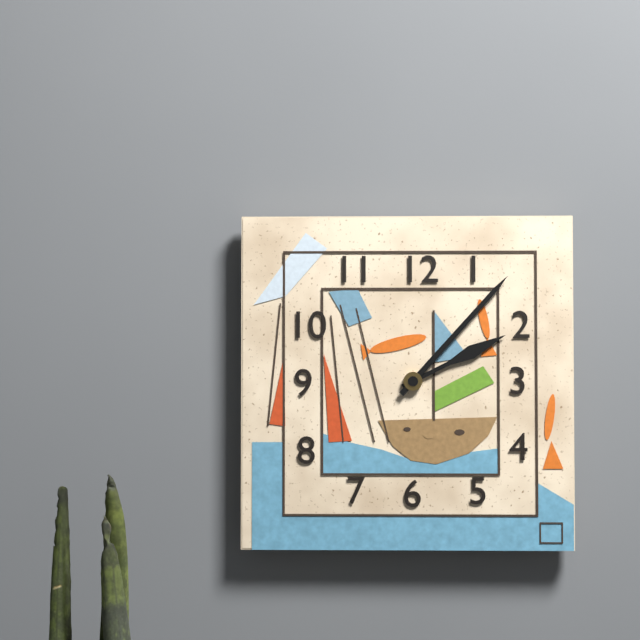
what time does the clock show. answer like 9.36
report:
2.07
